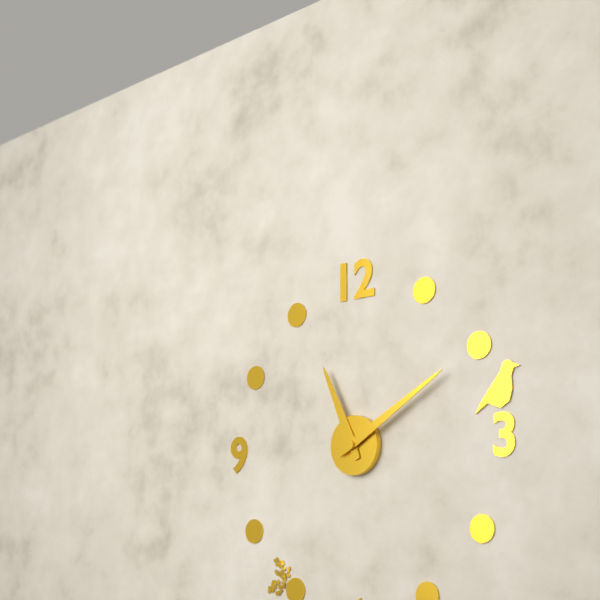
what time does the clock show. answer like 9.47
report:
11.10
